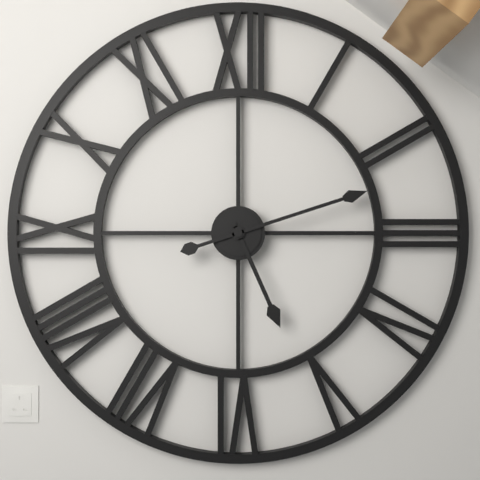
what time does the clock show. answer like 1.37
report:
5.12
